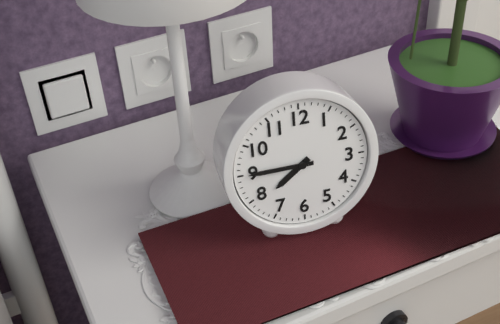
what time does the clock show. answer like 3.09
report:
7.45
